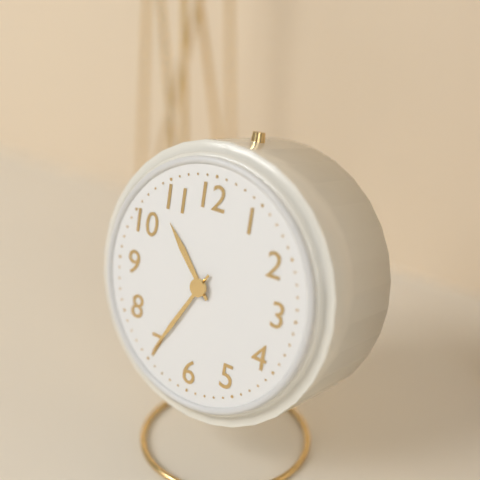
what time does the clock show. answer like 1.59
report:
10.35
